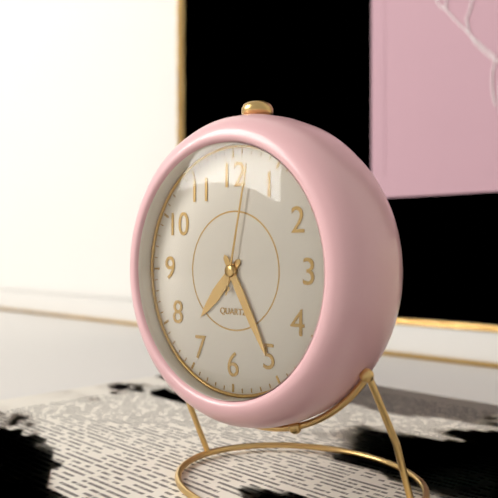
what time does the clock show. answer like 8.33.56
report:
7.25.02
